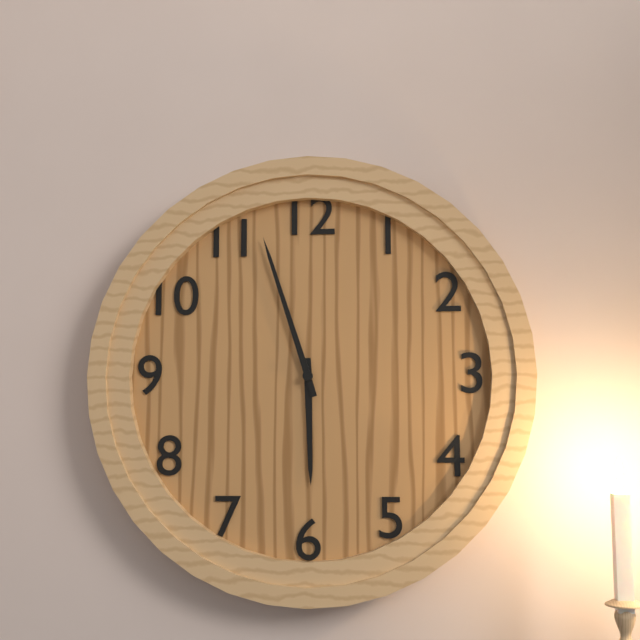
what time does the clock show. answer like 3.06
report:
5.57
